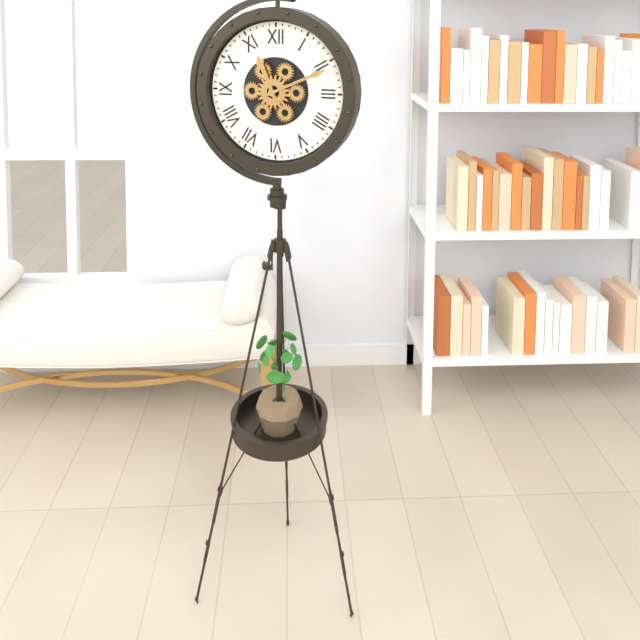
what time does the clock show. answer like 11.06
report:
11.11
